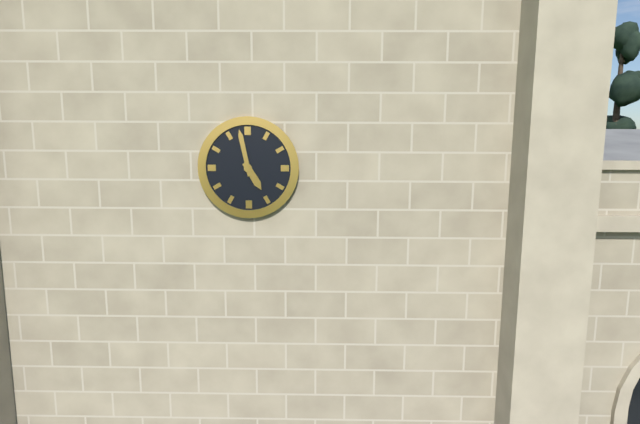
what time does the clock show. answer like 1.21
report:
4.58
